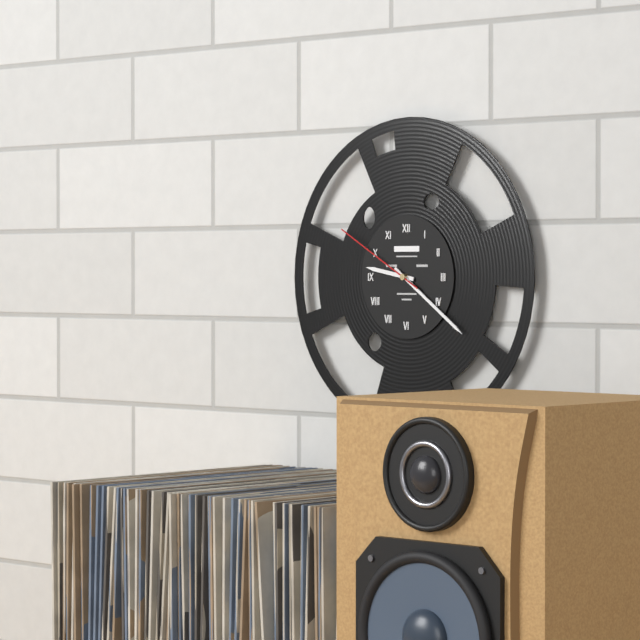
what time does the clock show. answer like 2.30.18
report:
9.21.50
